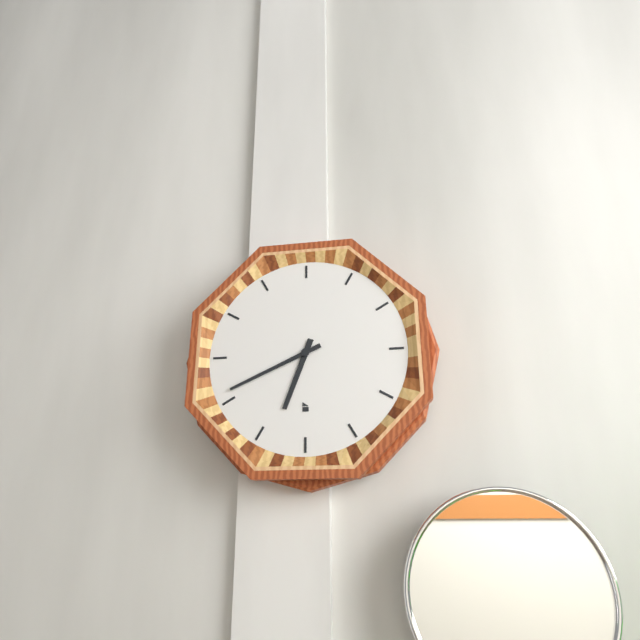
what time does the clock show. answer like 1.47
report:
6.41
